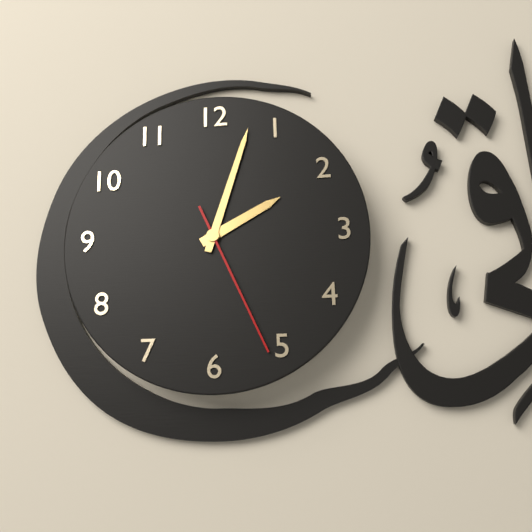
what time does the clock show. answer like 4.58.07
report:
2.03.26
